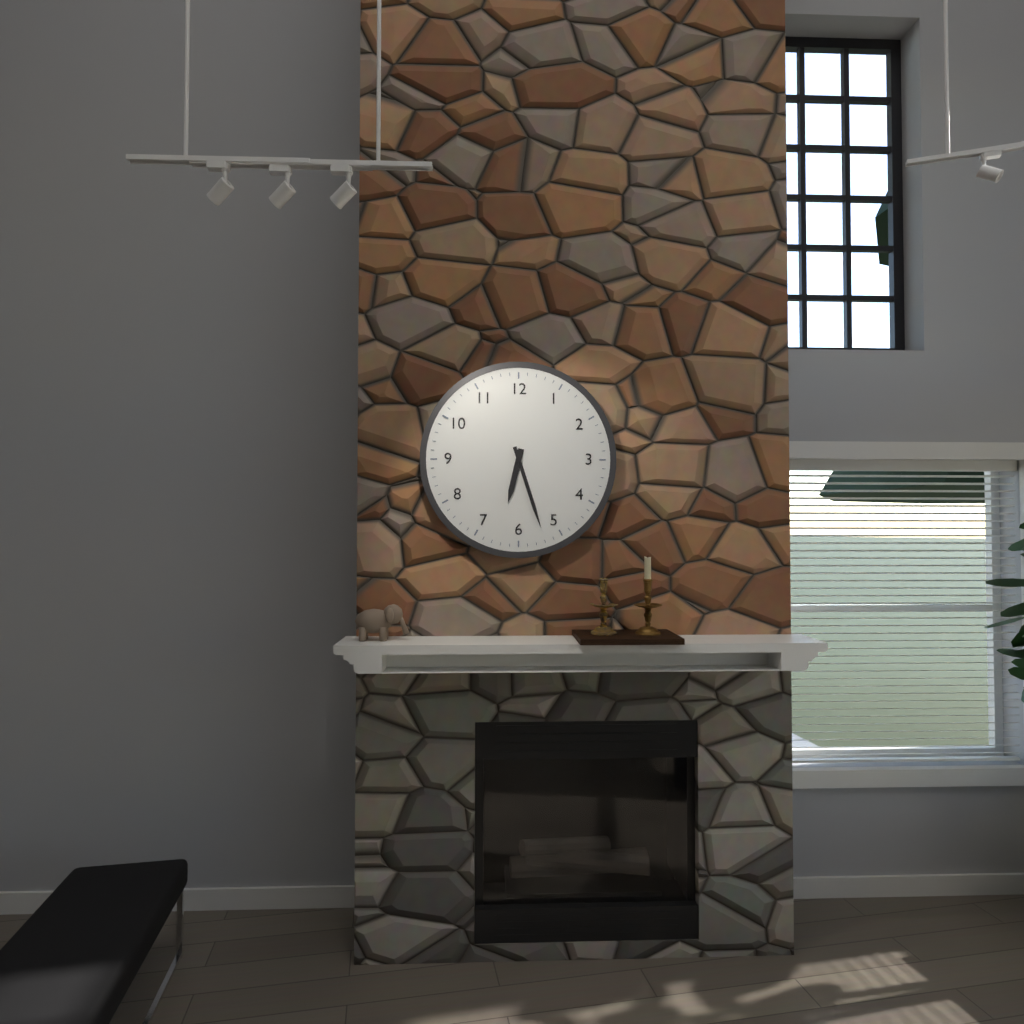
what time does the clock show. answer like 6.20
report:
6.27
